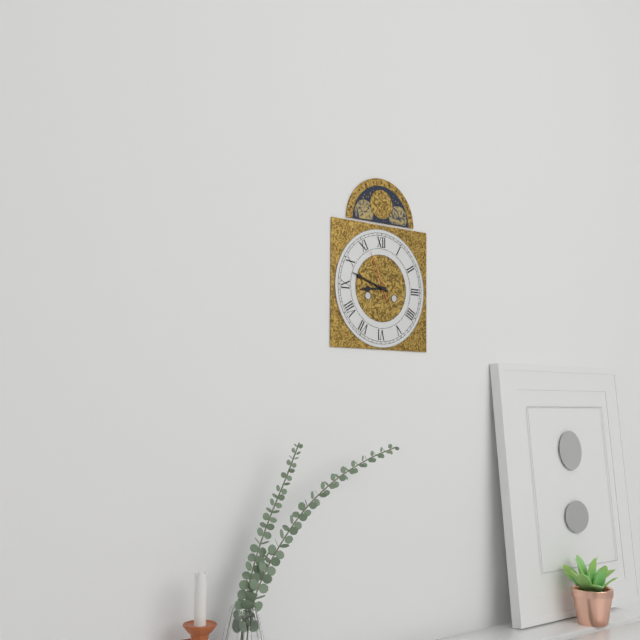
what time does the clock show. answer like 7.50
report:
8.48
